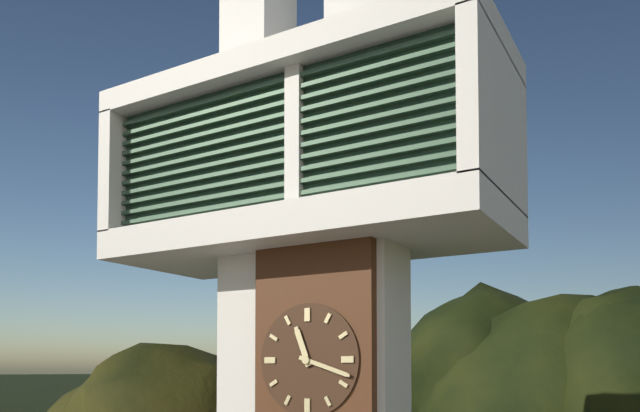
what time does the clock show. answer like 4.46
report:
11.18
